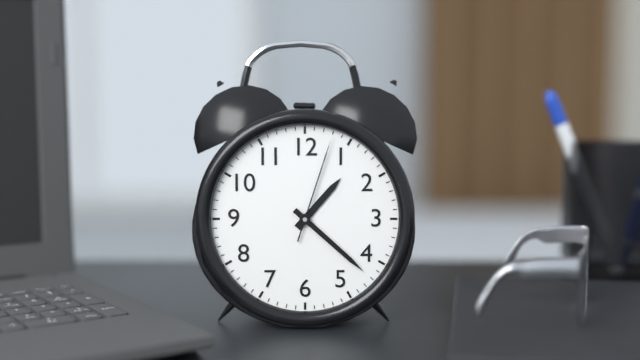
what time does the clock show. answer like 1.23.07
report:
1.22.03
